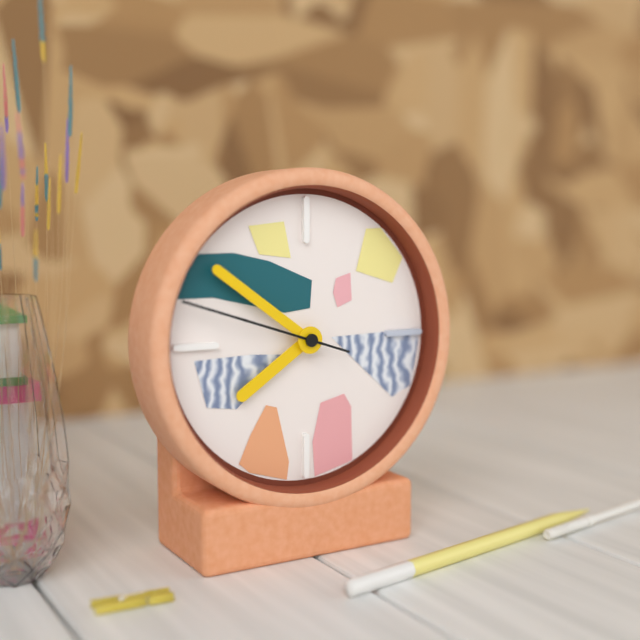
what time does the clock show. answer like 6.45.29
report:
7.51.48
